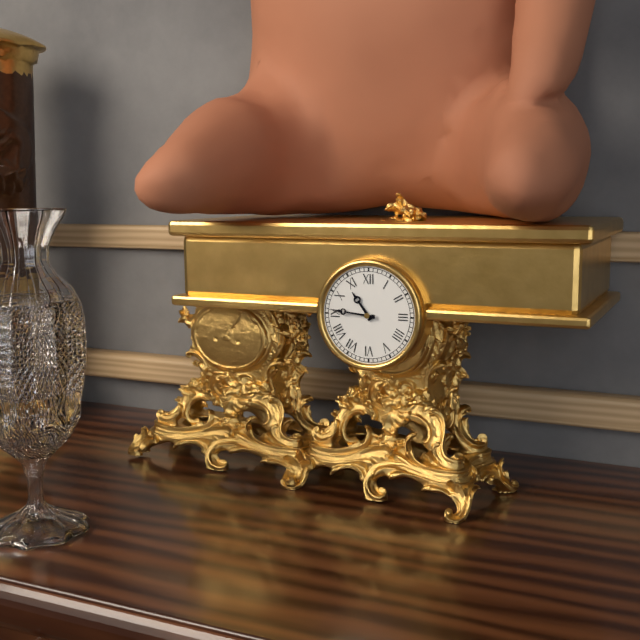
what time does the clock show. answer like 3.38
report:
10.46
